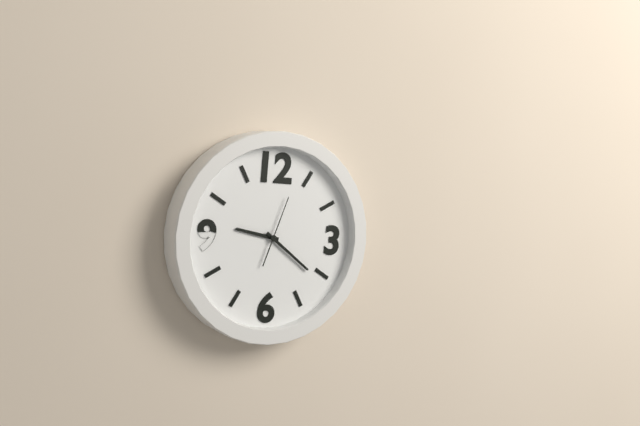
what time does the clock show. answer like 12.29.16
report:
9.21.03
